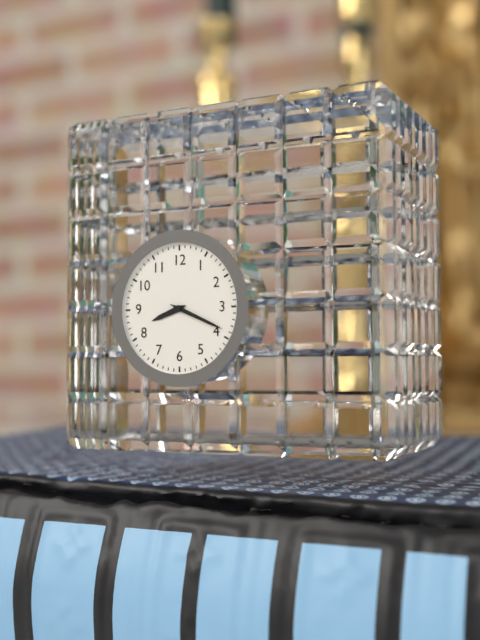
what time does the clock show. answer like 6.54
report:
8.19
